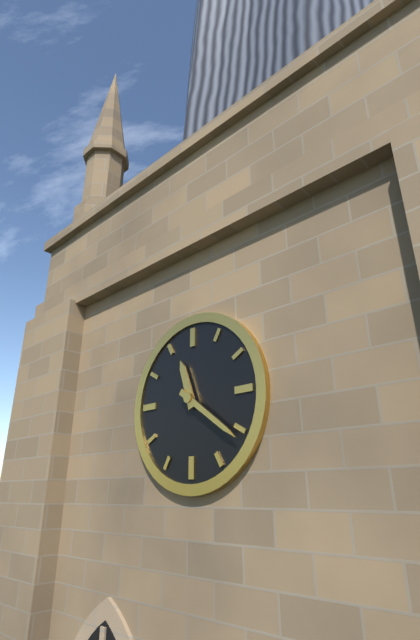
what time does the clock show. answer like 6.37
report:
11.21
